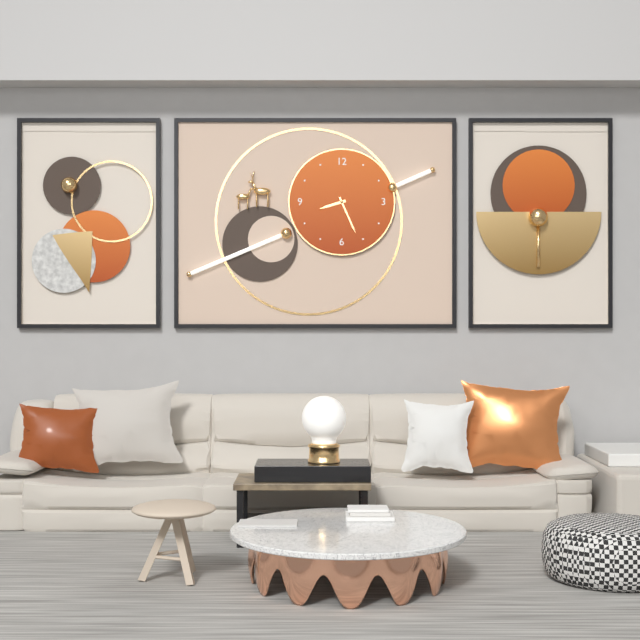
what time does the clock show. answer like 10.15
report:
8.26
